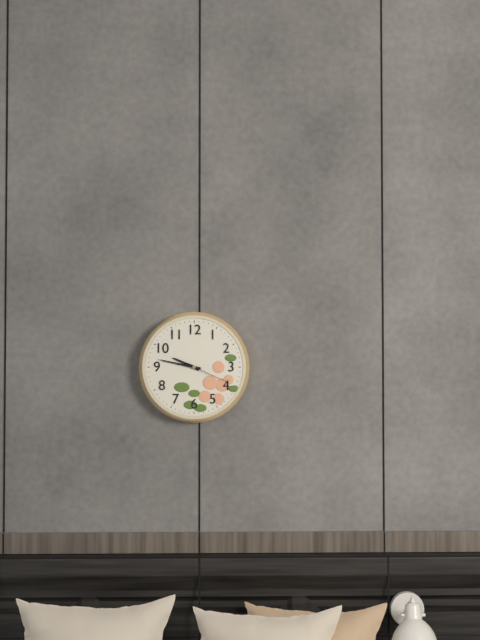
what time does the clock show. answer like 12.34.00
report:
9.47.19
